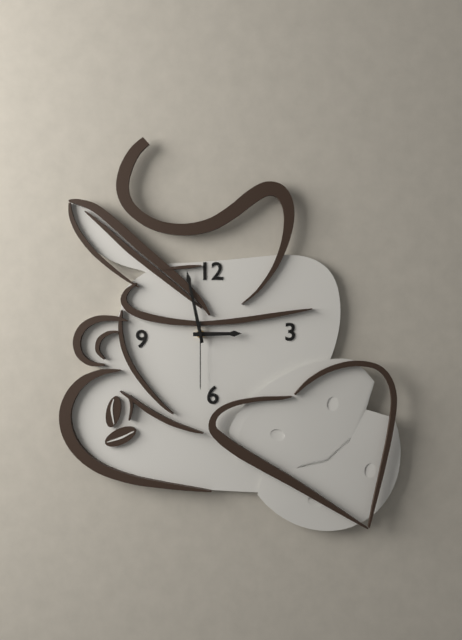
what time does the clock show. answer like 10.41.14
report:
2.58.30
